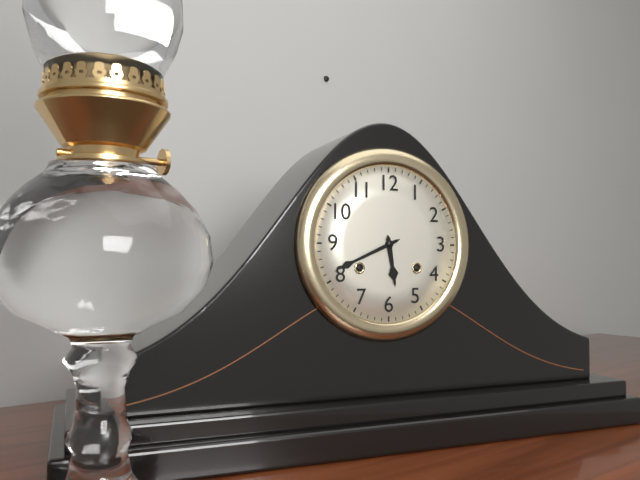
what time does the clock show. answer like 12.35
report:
5.41
